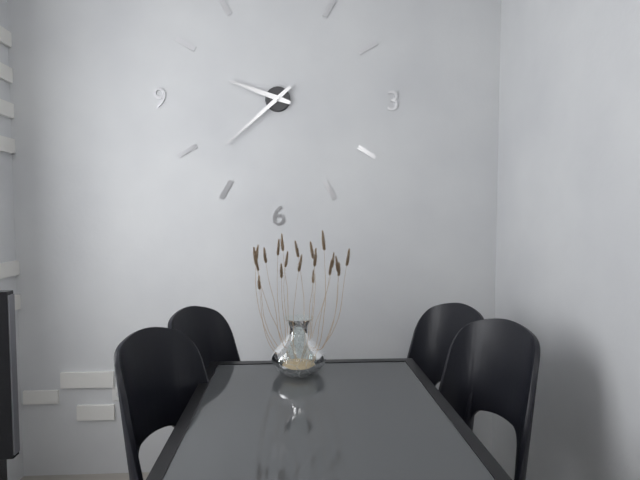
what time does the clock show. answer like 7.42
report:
9.38
